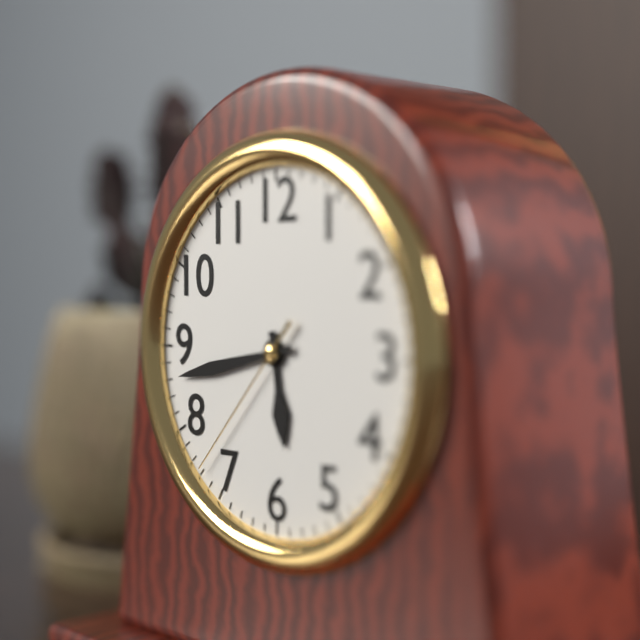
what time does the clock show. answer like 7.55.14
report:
5.43.37
